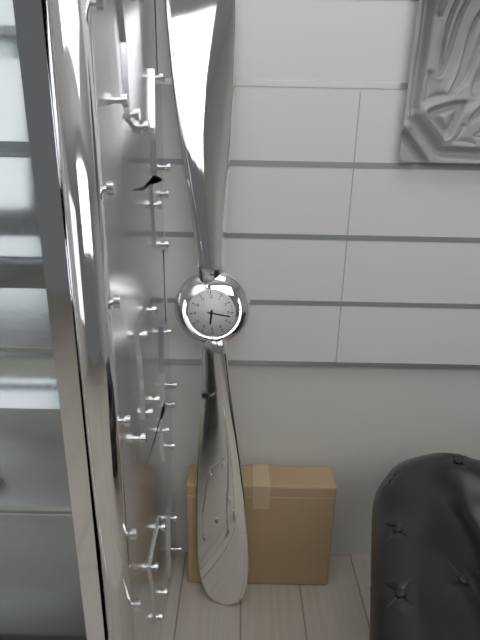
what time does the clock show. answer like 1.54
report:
6.17
